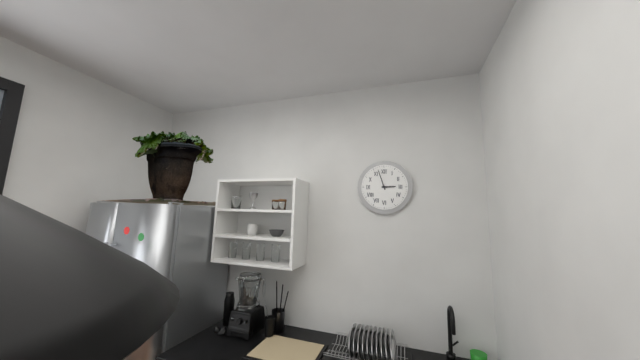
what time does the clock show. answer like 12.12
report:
2.57
